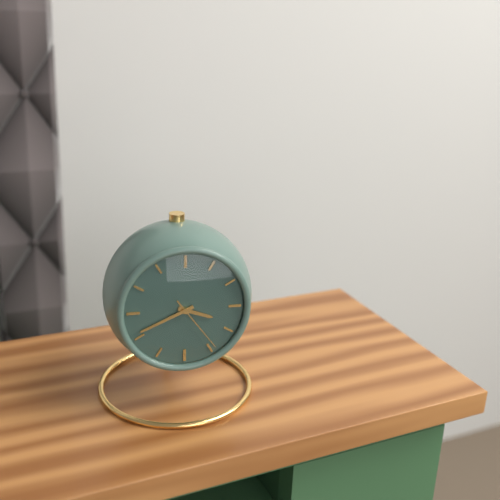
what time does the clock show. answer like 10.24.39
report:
3.41.24
